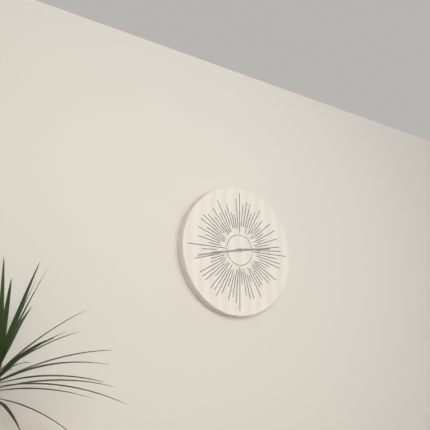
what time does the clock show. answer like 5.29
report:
2.43
